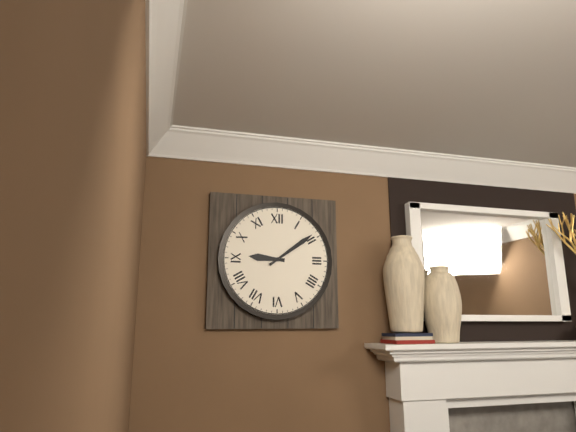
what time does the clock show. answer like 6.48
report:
9.09
